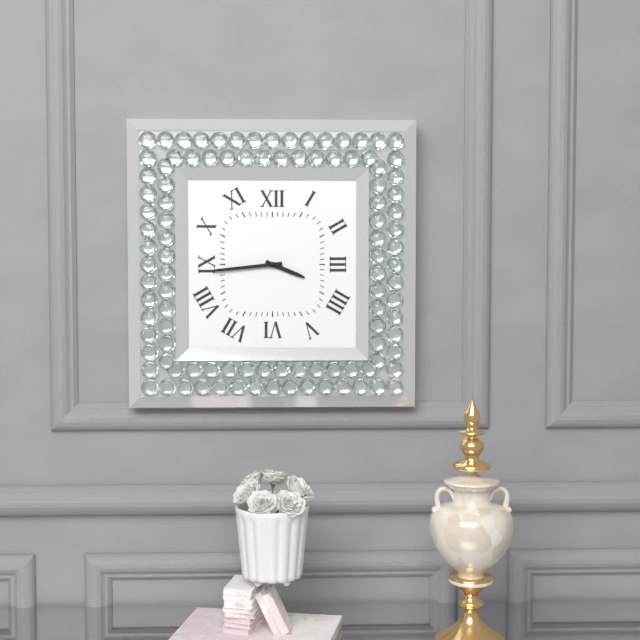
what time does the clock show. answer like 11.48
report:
3.44
